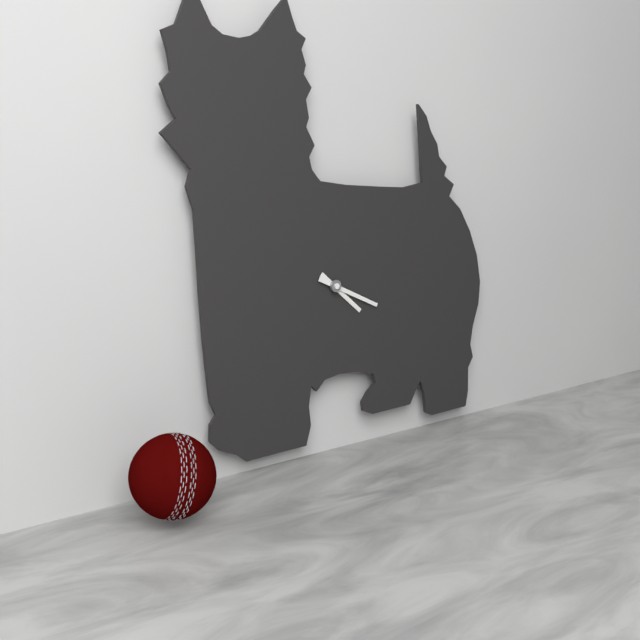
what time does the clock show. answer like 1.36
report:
4.19
